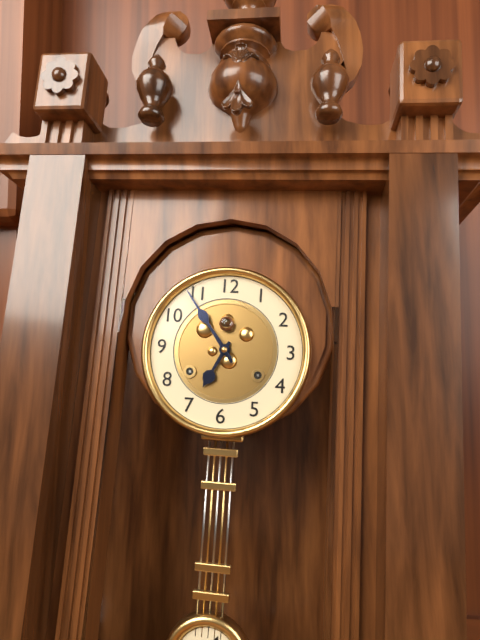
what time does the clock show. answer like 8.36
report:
6.54
